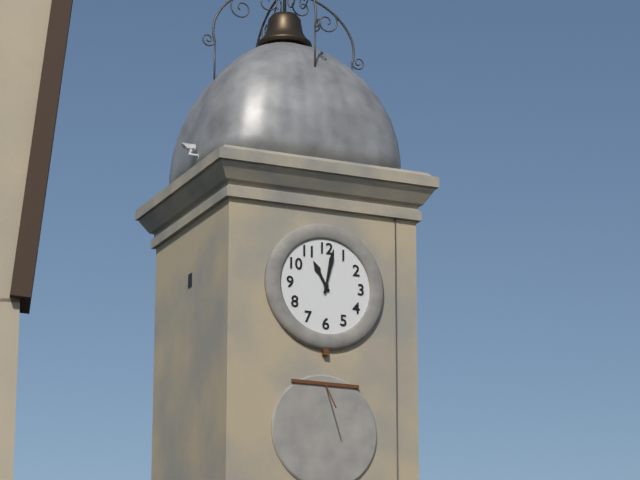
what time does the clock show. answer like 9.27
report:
11.02
